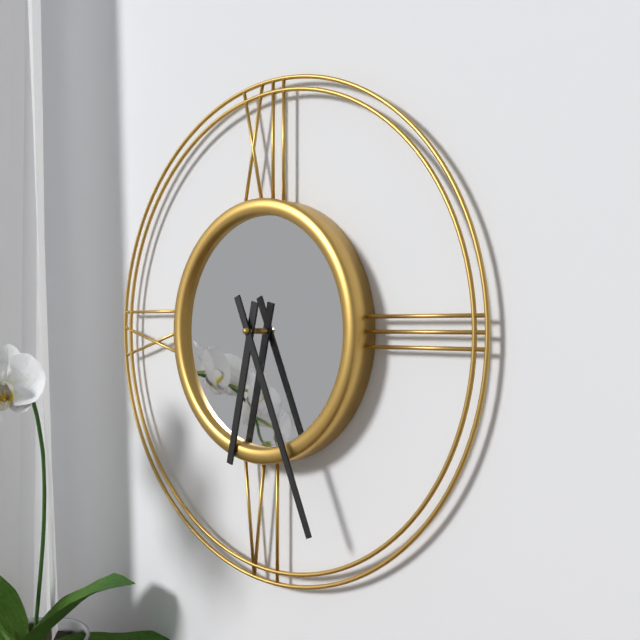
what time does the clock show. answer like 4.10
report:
6.26
